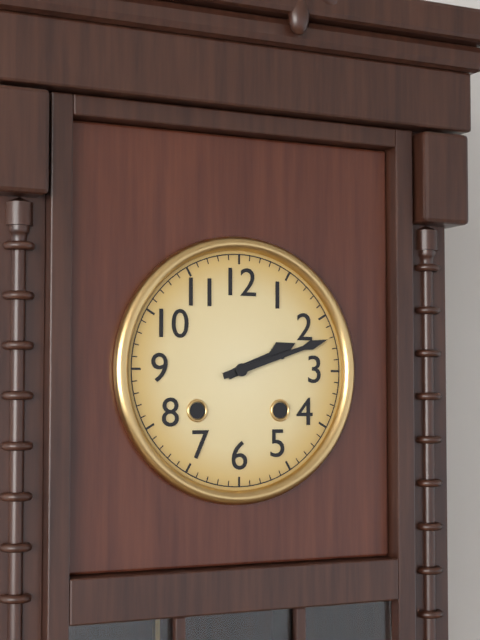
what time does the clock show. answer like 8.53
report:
2.12
